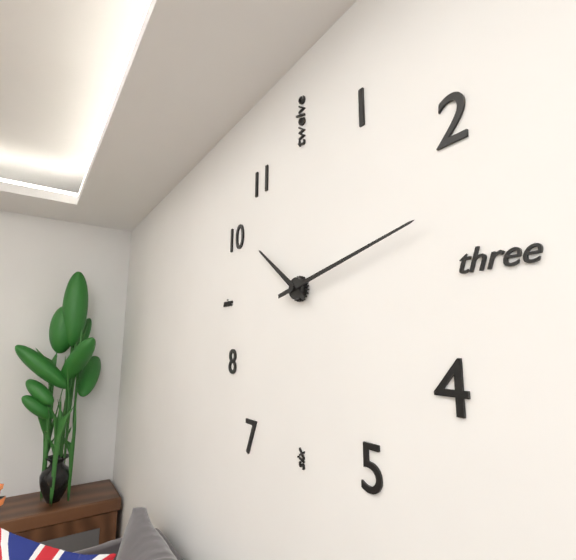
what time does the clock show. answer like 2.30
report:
10.13
